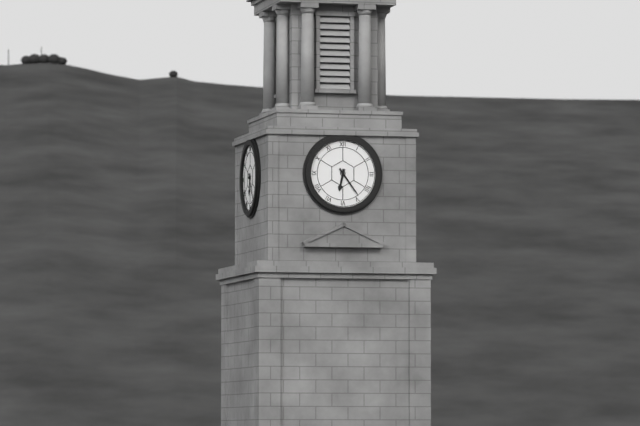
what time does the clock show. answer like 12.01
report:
6.24
